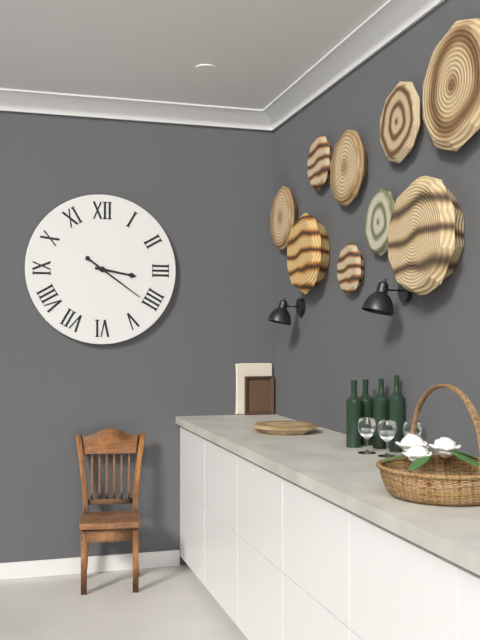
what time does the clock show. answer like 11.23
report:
3.21
